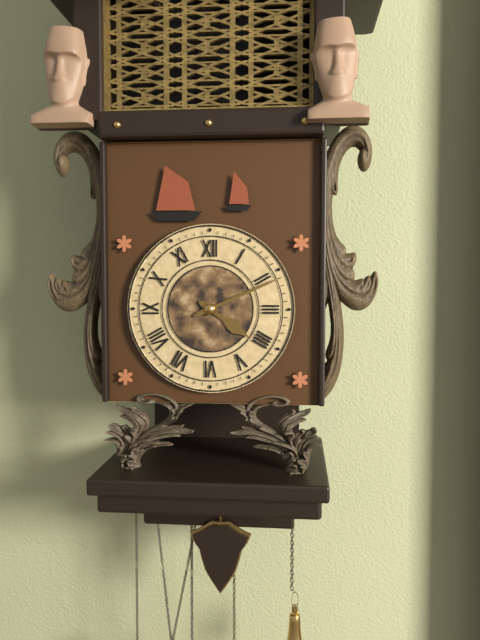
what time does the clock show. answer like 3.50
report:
4.11
